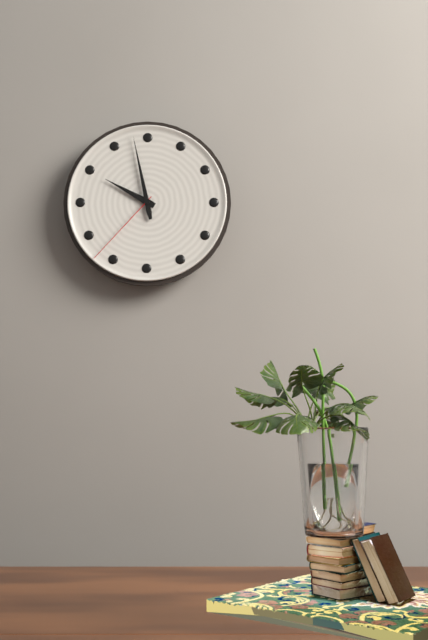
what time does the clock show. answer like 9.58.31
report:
9.58.37
